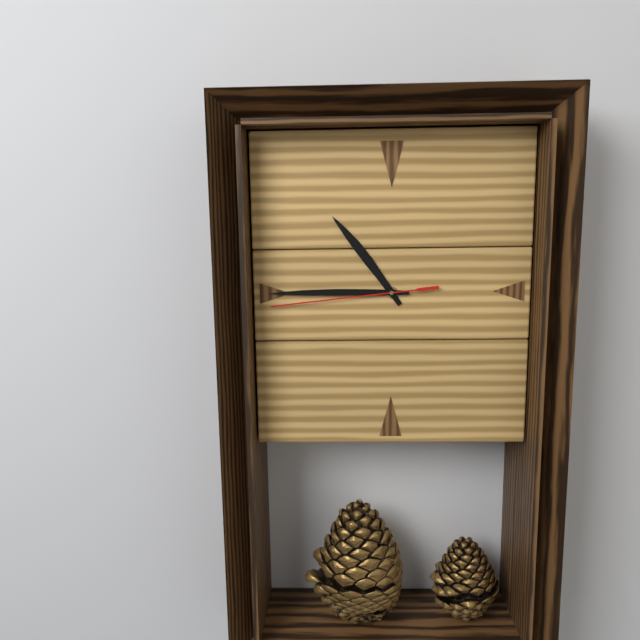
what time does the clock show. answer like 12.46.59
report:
10.45.44
